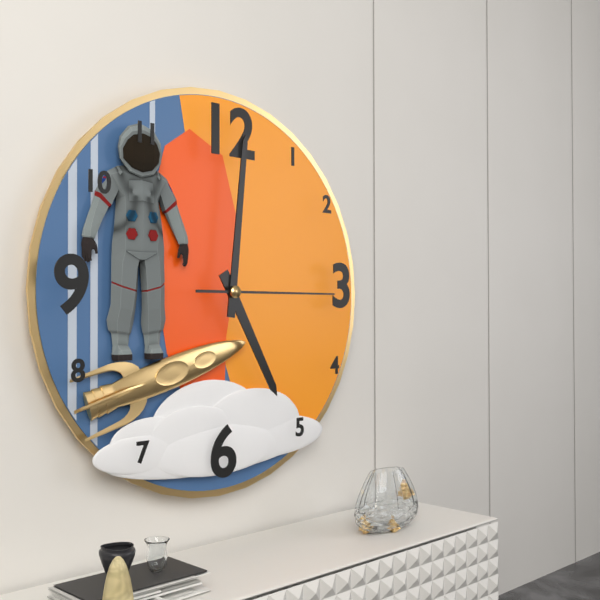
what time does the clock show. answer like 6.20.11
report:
5.01.15
